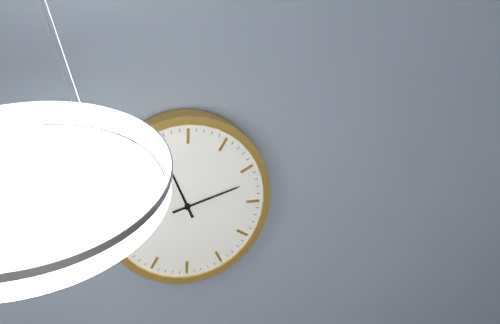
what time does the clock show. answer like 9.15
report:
11.12
